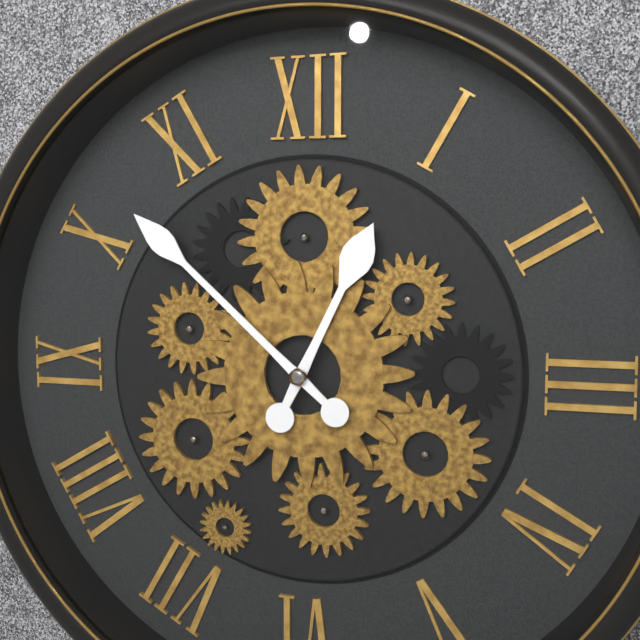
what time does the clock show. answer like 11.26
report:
12.52
